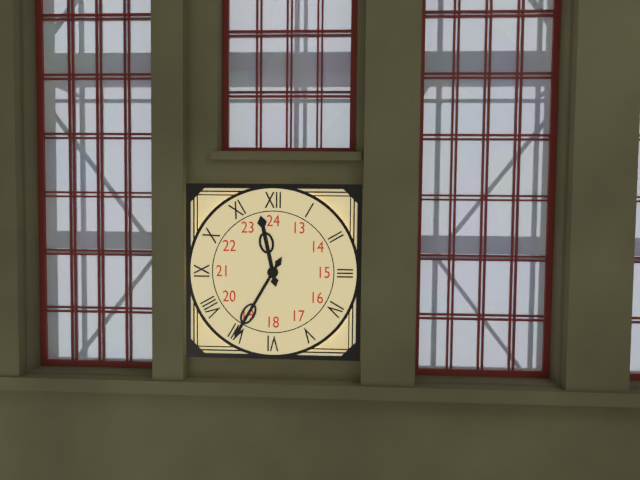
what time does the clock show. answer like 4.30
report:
11.35
